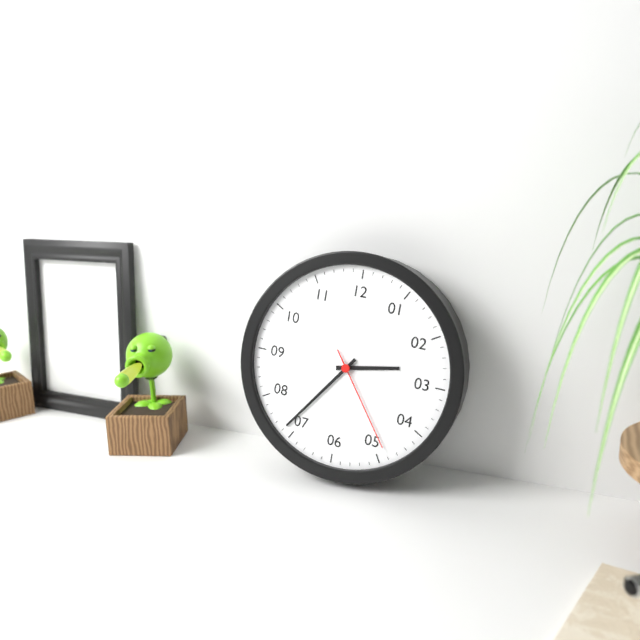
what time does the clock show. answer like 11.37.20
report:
2.36.24
